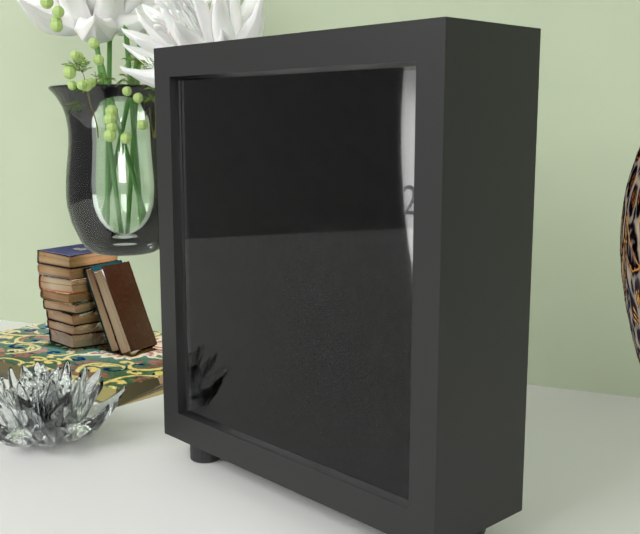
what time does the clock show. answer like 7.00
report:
6.39
